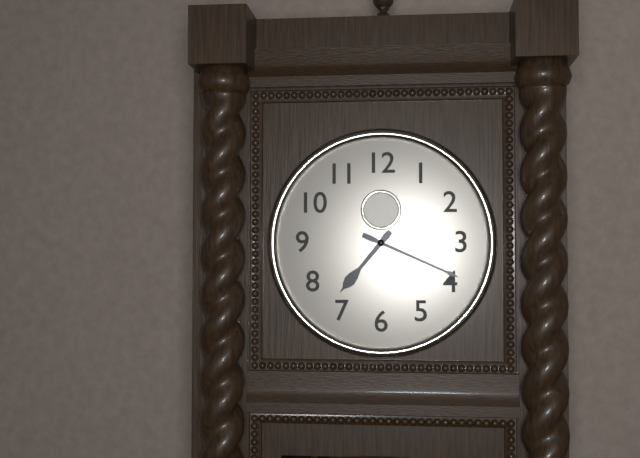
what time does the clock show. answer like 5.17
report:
7.19
